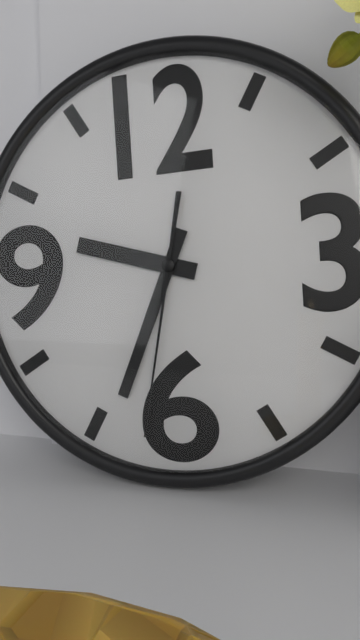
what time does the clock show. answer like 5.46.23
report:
9.34.32
